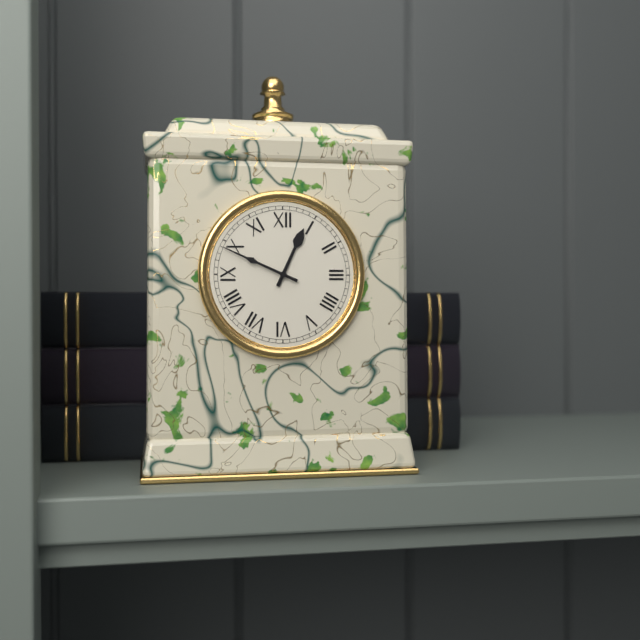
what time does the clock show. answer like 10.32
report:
12.49
